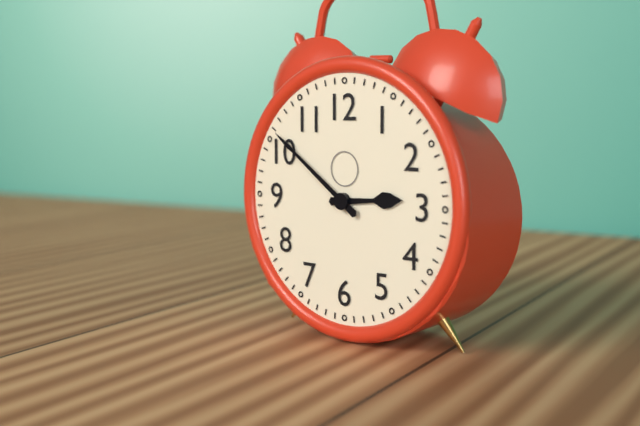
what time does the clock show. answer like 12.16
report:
2.51
